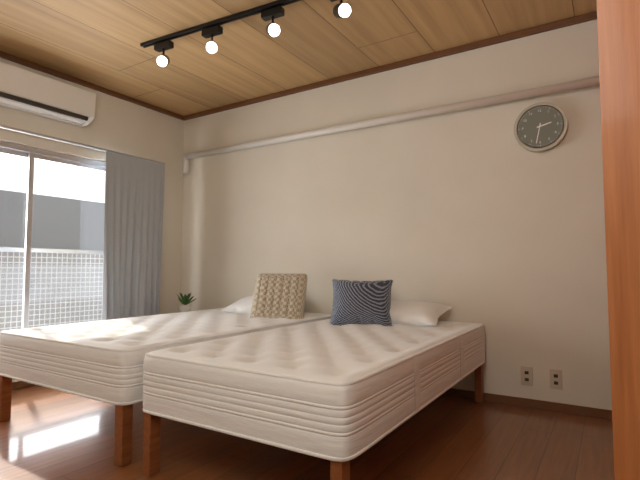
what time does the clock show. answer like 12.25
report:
2.32
